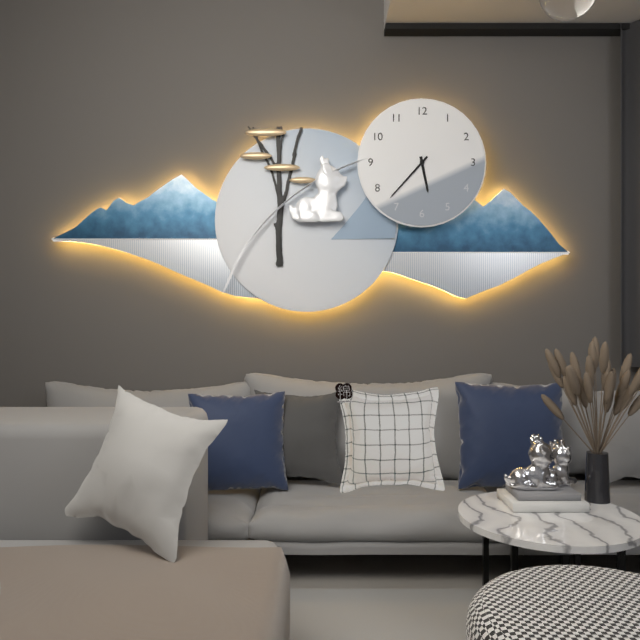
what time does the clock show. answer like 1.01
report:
5.37
